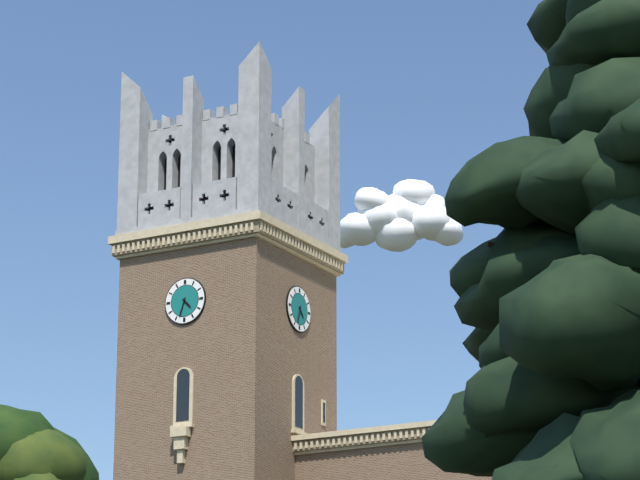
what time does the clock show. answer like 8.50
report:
4.33
